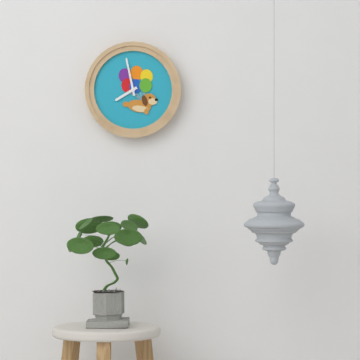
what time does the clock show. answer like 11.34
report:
7.58
